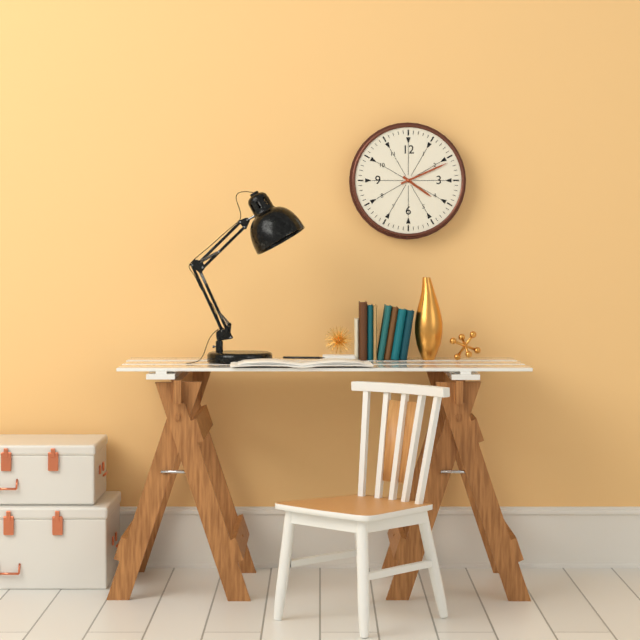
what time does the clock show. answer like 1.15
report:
4.11
